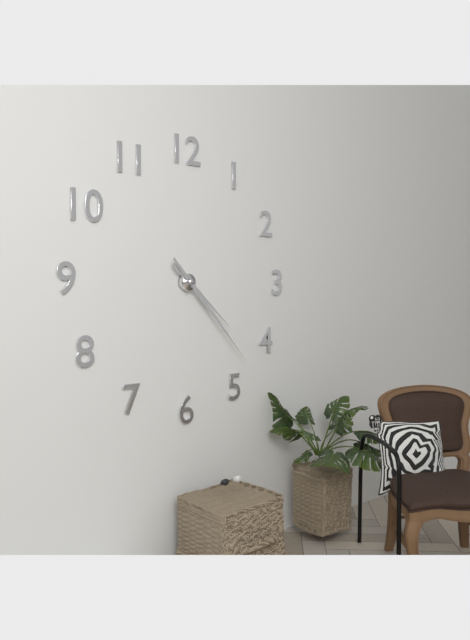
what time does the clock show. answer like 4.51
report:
4.23
